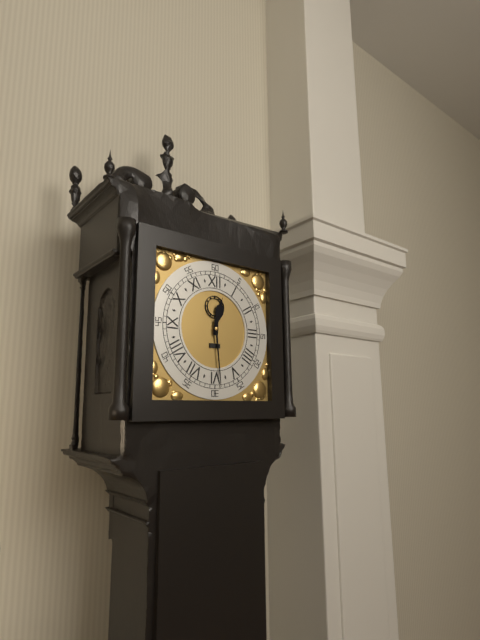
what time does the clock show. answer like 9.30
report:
12.29
